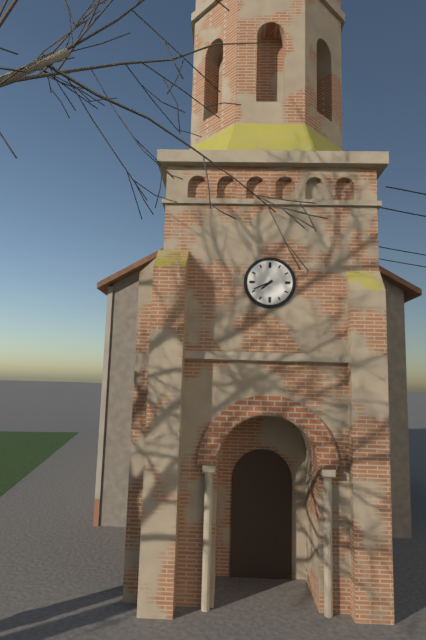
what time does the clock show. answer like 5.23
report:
7.41
